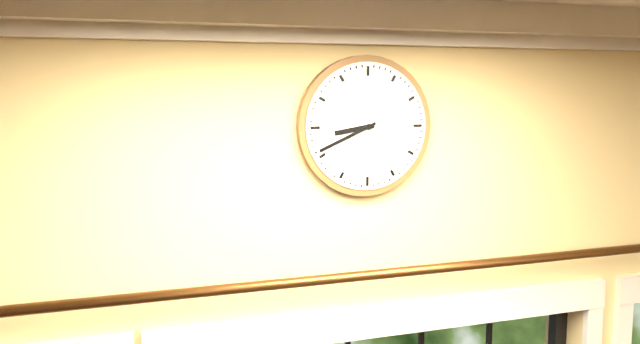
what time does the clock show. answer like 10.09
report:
8.41
